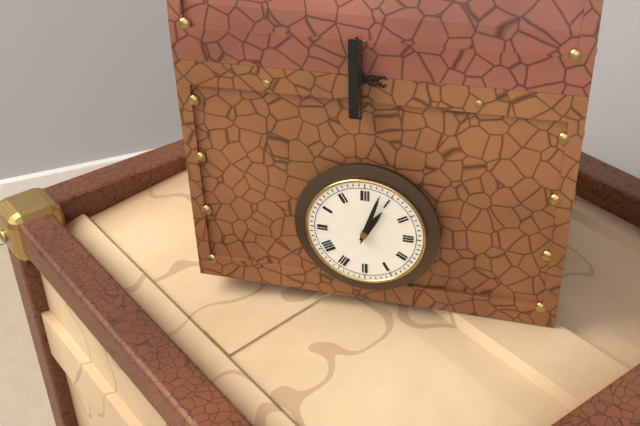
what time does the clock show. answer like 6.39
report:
1.03
